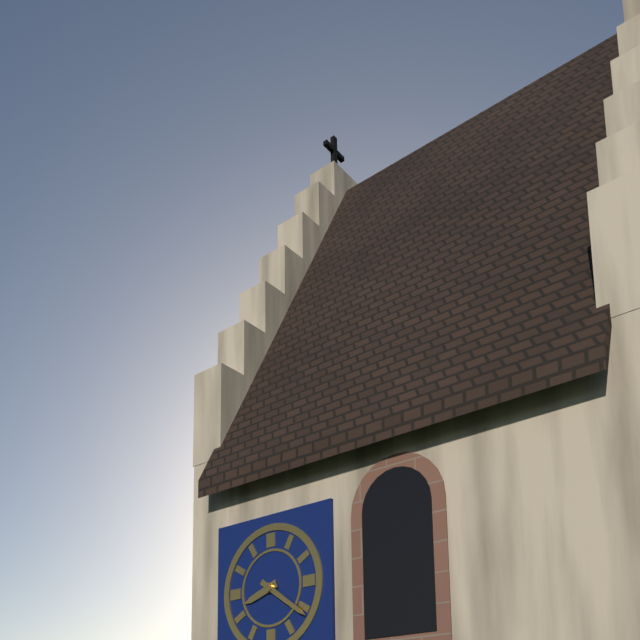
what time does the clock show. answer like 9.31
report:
8.21
